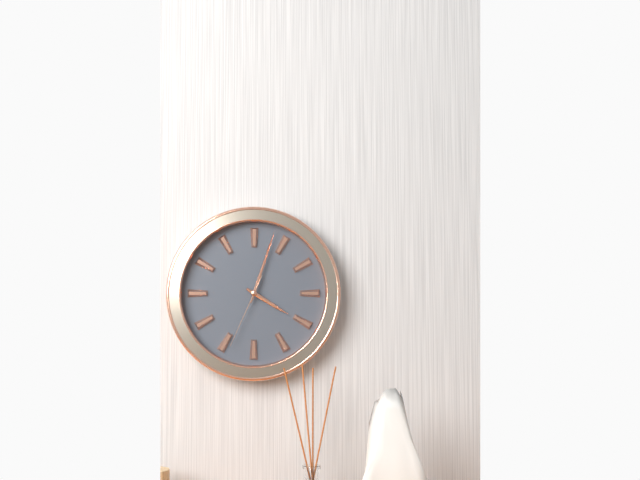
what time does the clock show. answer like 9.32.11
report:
4.03.34
